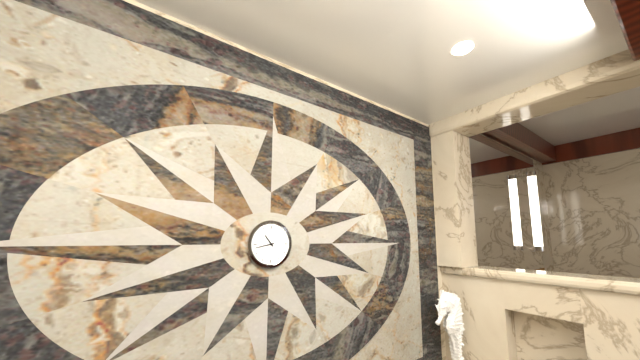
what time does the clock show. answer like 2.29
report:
10.43
